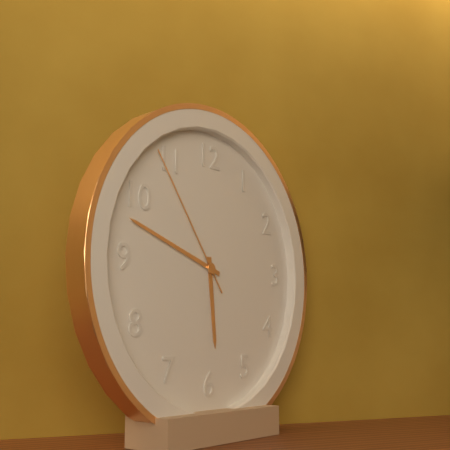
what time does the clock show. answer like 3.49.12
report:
5.48.54
